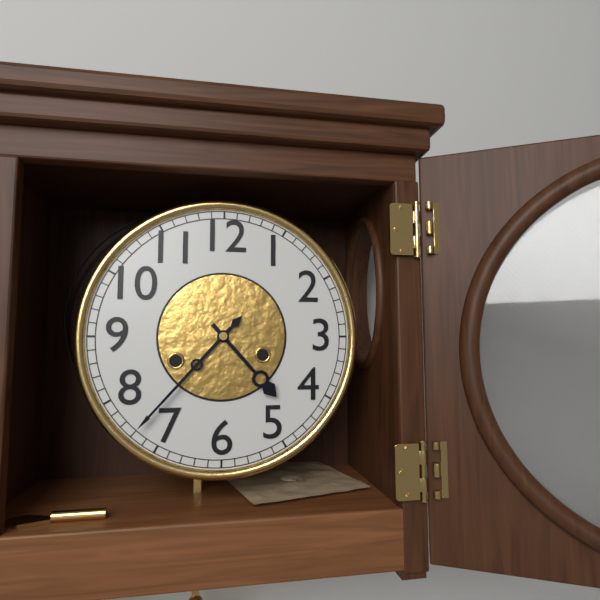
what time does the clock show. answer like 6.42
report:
4.37
